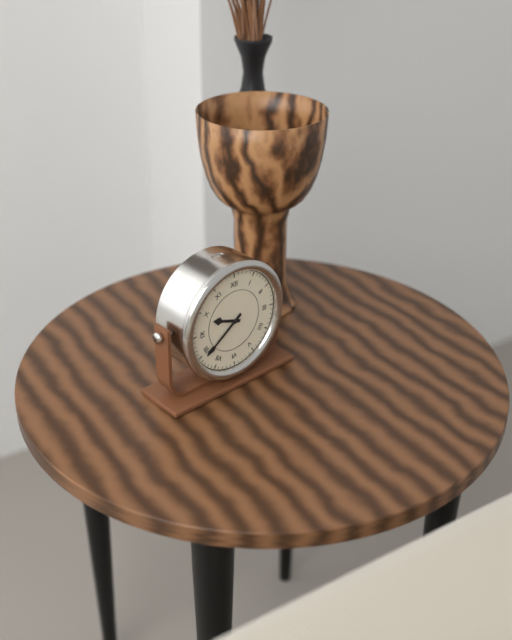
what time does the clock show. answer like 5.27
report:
9.39
